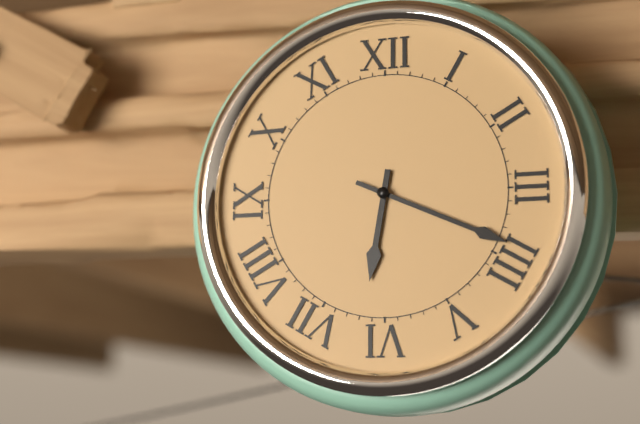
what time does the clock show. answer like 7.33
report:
6.19
